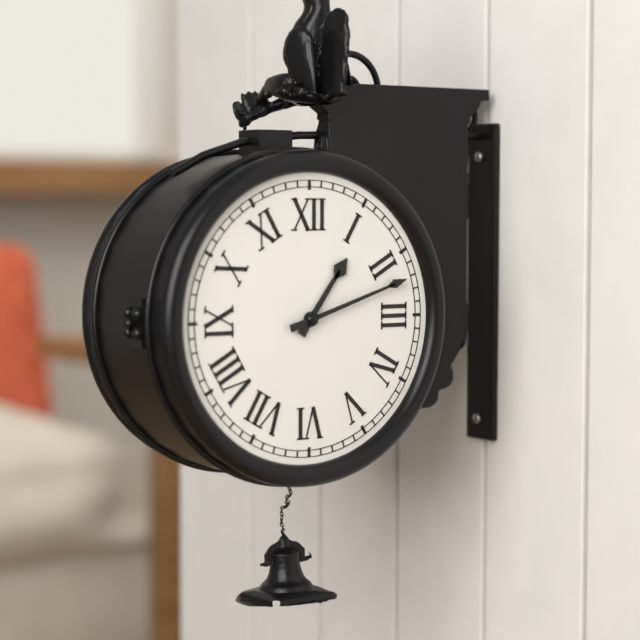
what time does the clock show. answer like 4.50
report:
1.12
